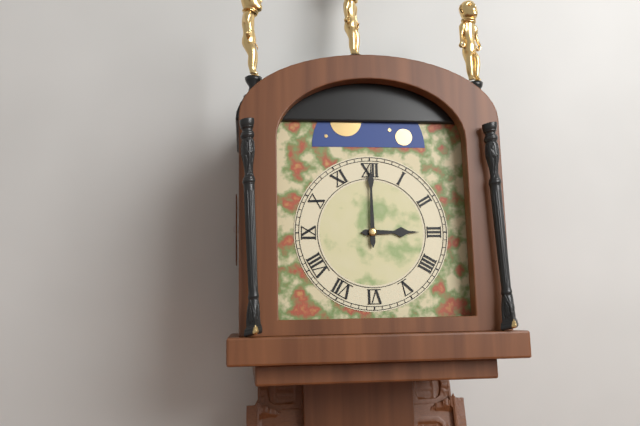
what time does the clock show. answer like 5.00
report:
3.00
